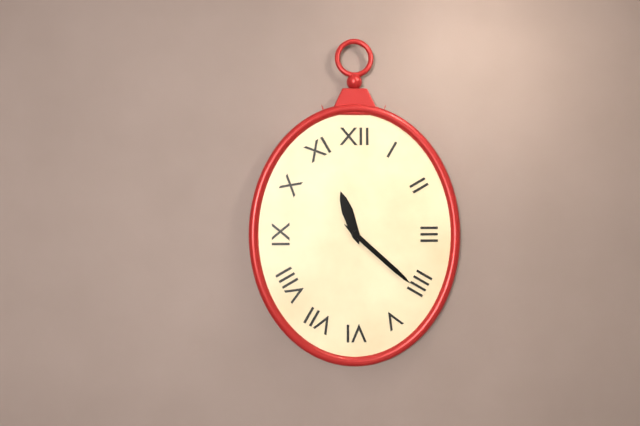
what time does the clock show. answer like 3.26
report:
11.22
